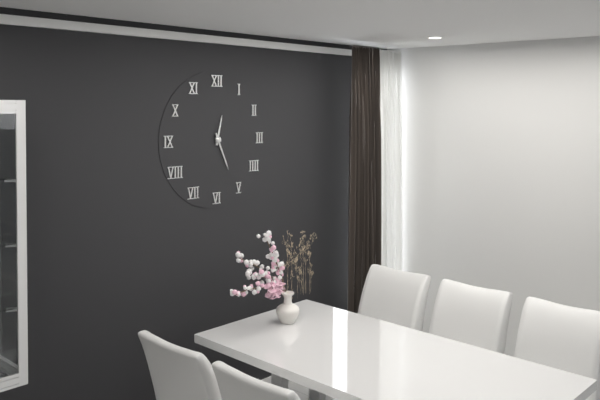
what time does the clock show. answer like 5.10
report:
12.26
